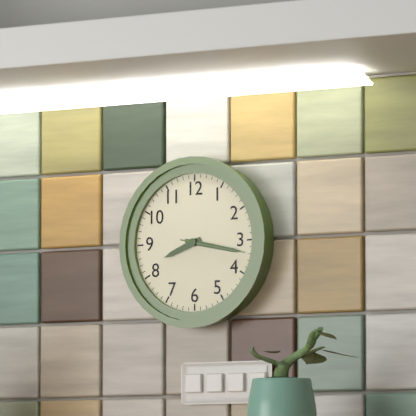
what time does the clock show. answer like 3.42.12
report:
8.17.17
